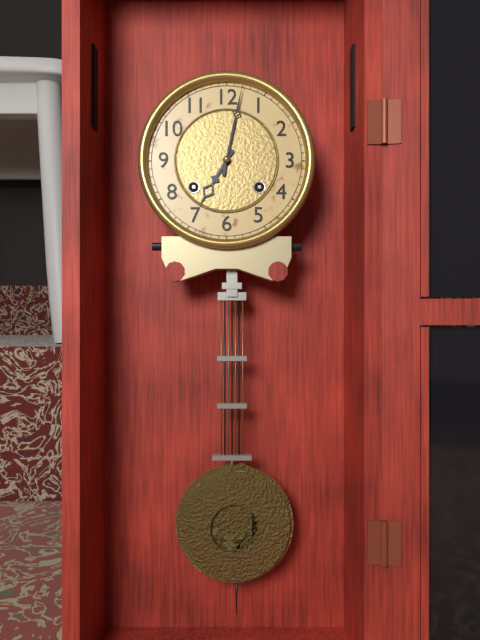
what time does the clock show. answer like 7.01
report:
7.02
